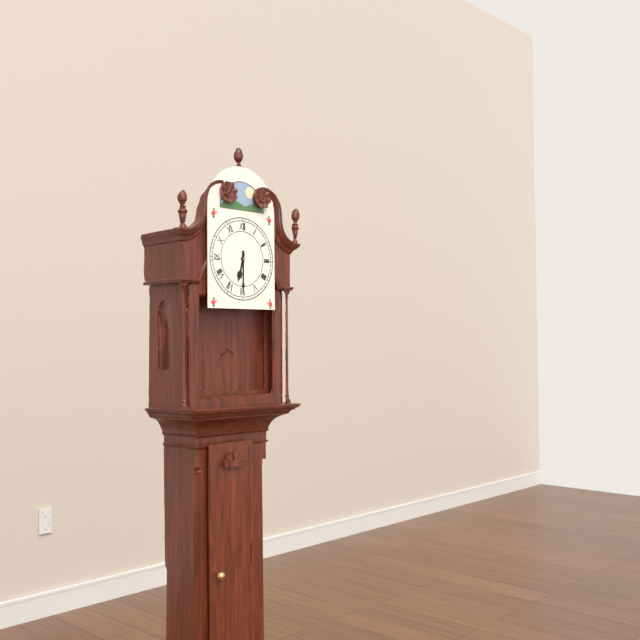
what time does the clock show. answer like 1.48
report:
6.30
